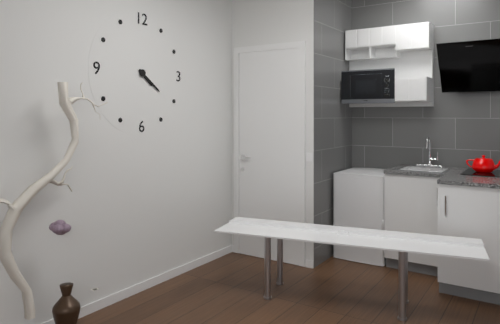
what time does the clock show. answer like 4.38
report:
4.21
